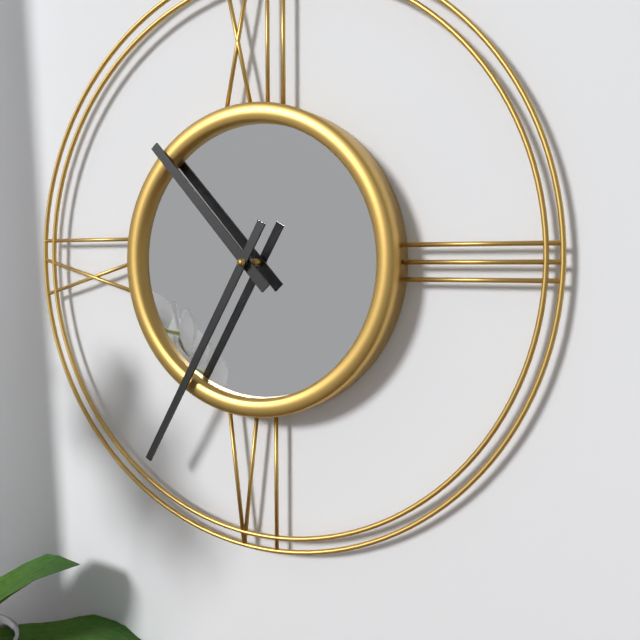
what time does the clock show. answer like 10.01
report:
10.35
